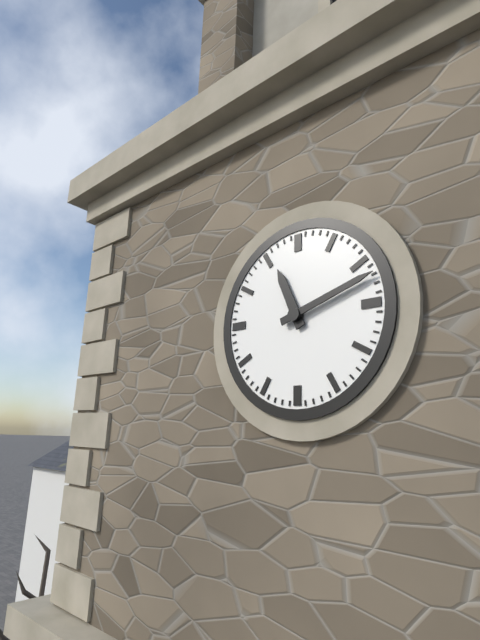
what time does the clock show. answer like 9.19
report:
11.12
